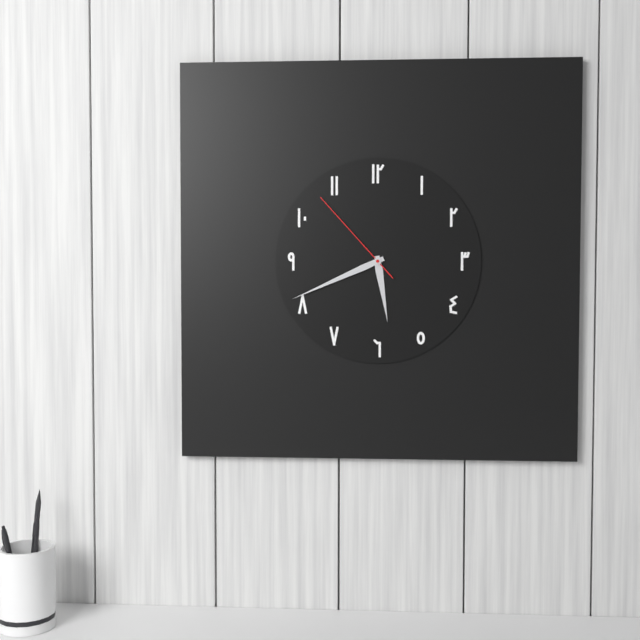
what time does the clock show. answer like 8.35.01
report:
5.41.53
